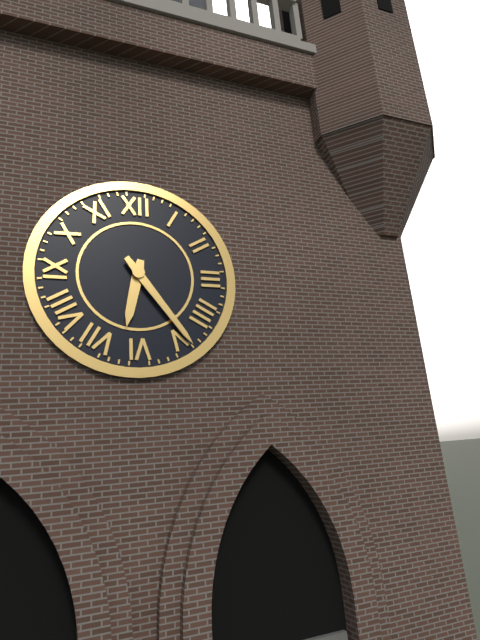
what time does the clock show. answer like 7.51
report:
6.24
